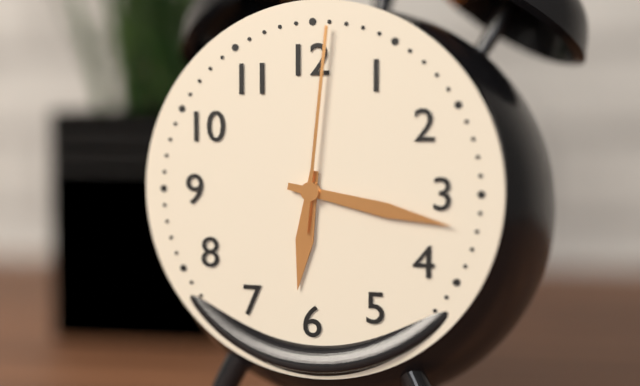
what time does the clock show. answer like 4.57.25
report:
6.17.01
